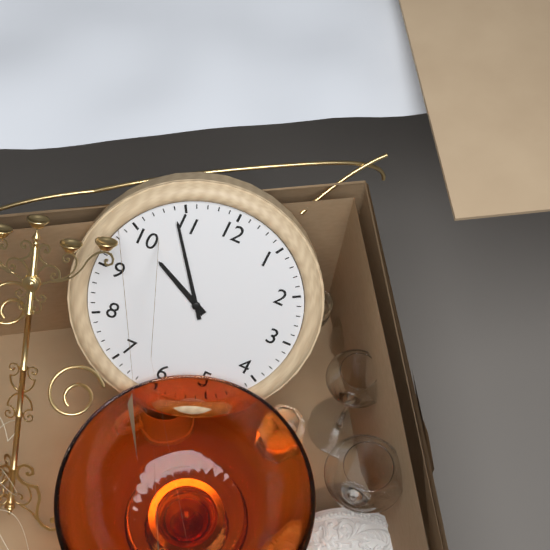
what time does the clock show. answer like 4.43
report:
9.54
